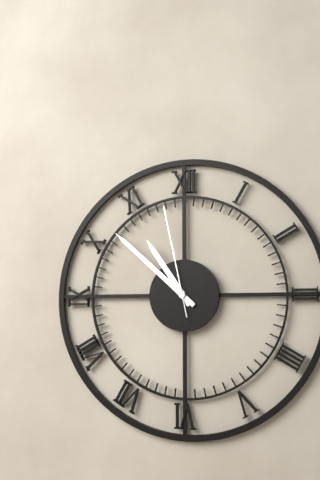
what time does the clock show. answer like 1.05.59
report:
10.52.58
